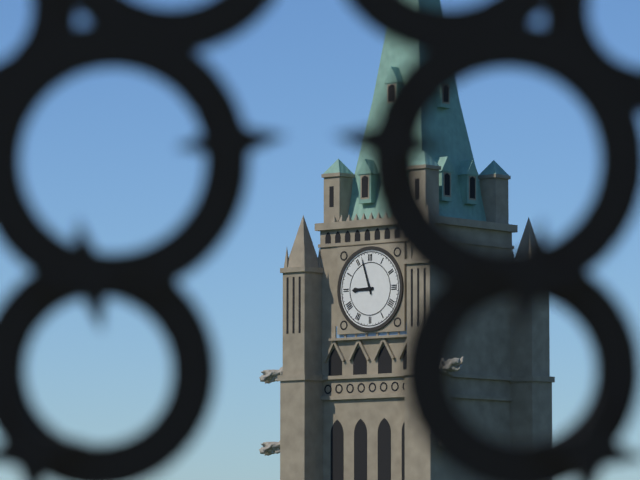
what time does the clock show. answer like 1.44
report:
8.57
